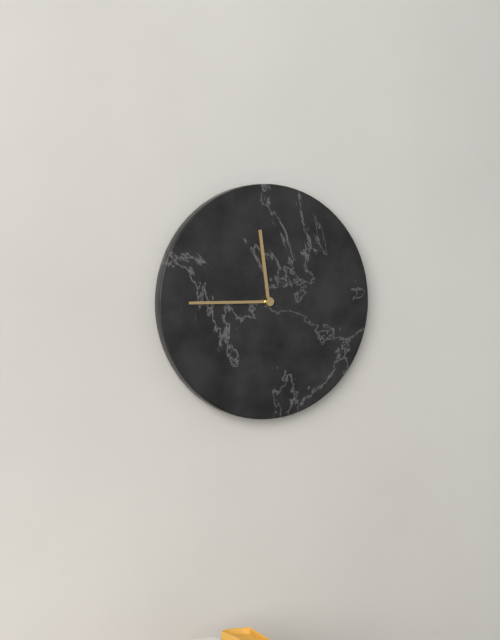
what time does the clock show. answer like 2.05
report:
11.45
